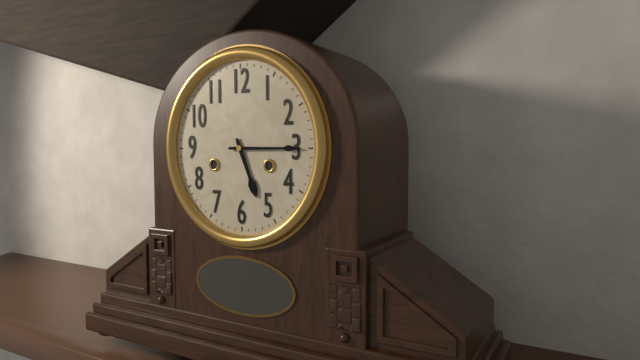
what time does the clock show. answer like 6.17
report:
5.15
